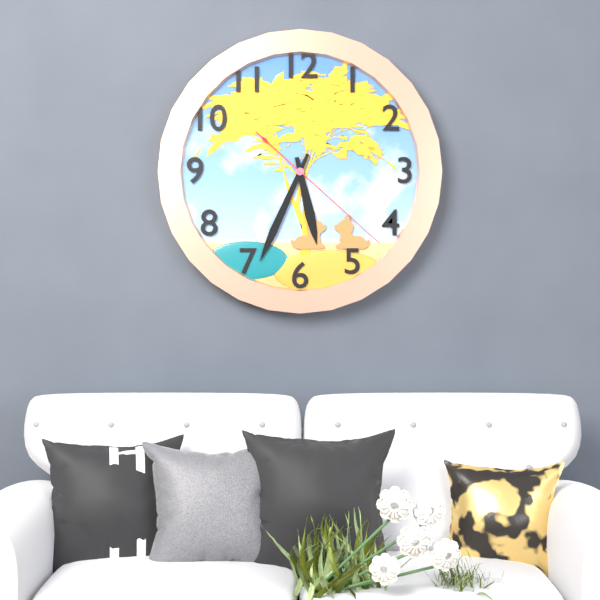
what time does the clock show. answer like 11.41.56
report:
5.34.22
